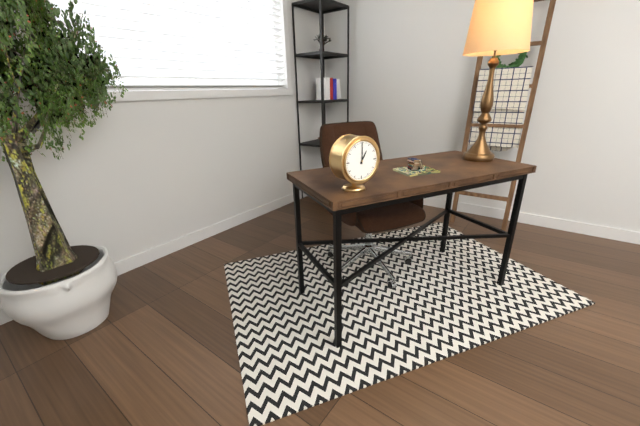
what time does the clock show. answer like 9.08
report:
1.00
